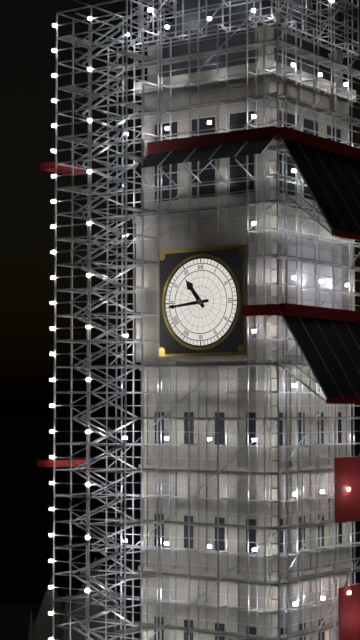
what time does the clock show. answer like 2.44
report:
10.44
